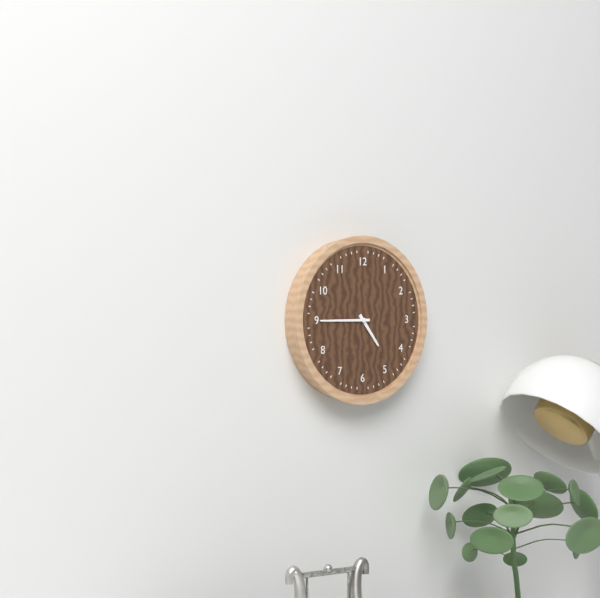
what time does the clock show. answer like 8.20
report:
4.45
